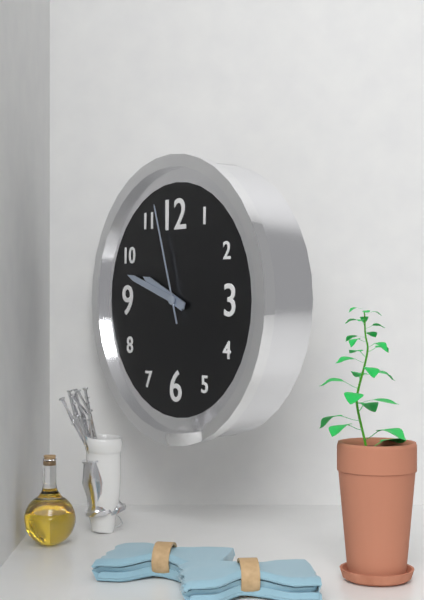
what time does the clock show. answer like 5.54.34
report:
9.48.57
